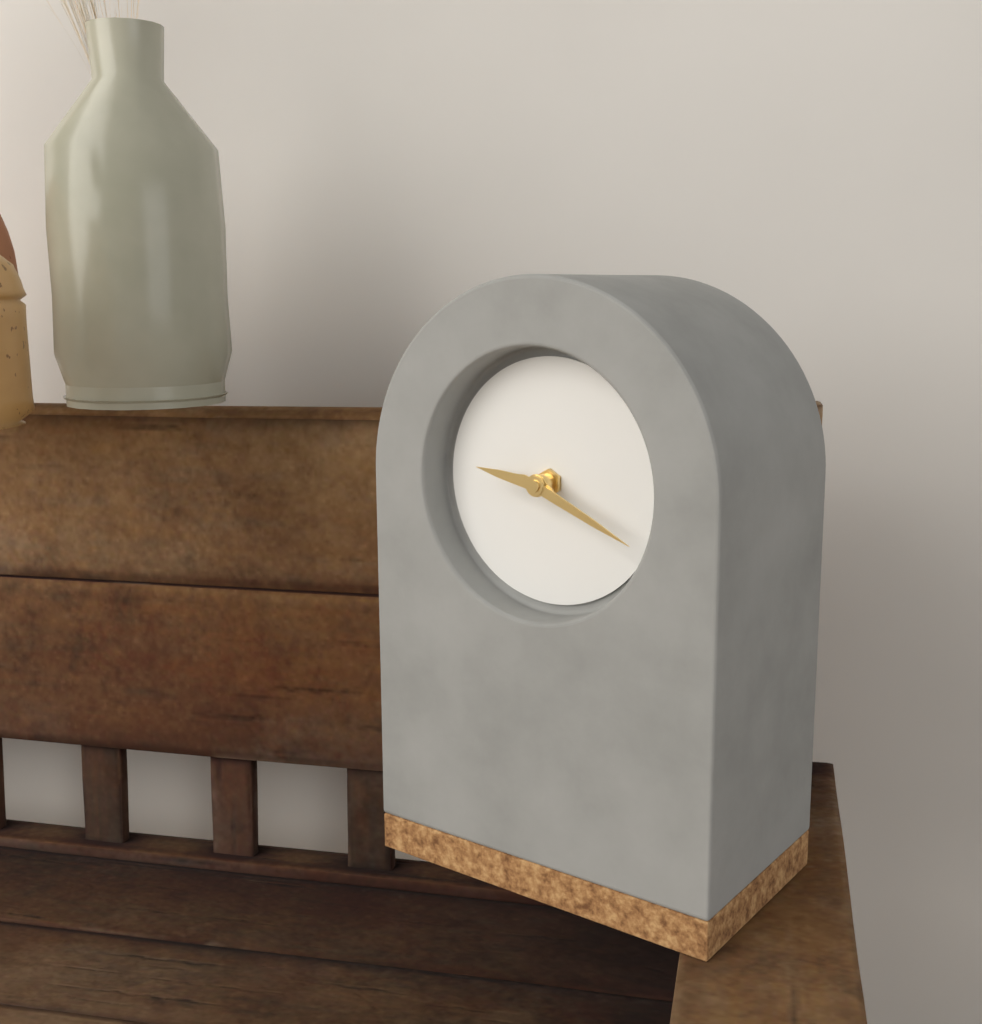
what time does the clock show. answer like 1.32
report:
9.19
